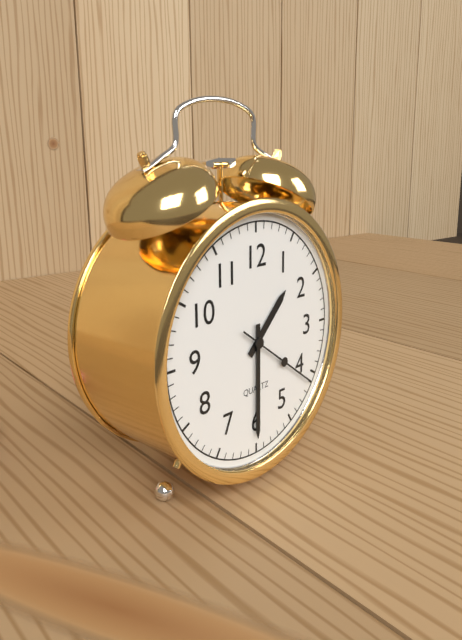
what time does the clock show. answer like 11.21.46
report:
1.30.21
